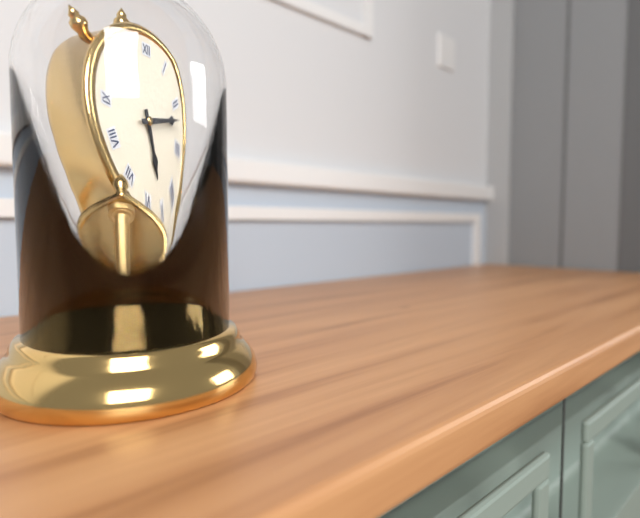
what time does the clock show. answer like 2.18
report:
5.12
